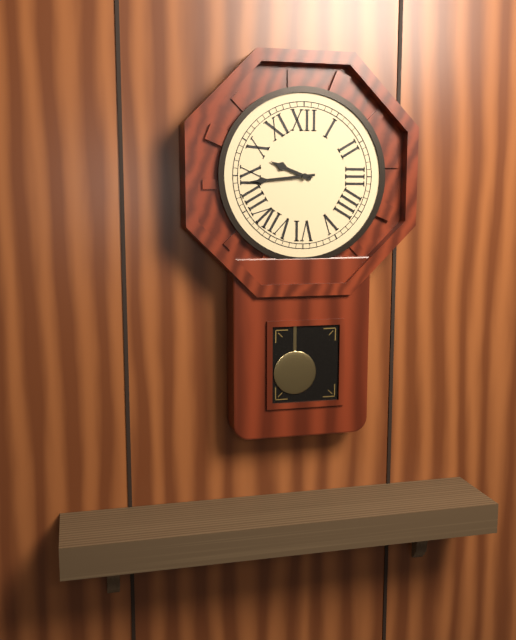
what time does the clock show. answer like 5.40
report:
9.44
